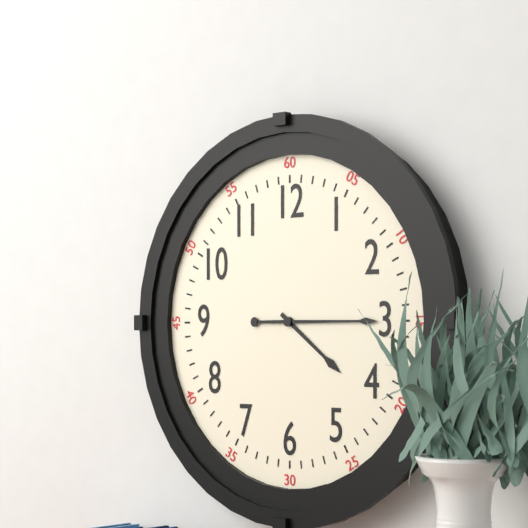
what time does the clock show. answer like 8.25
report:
4.15
